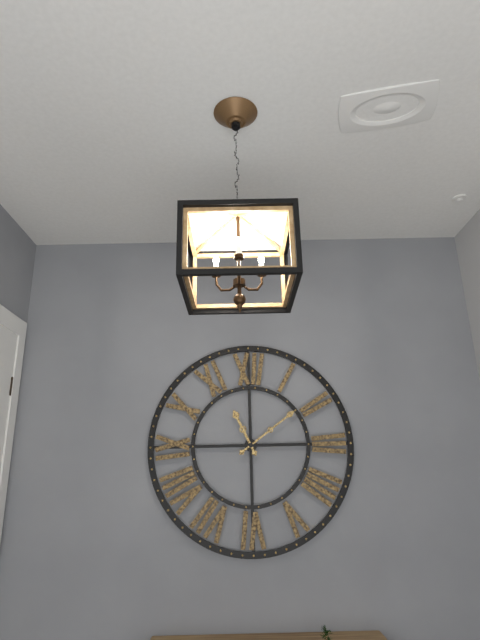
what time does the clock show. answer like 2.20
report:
11.09
